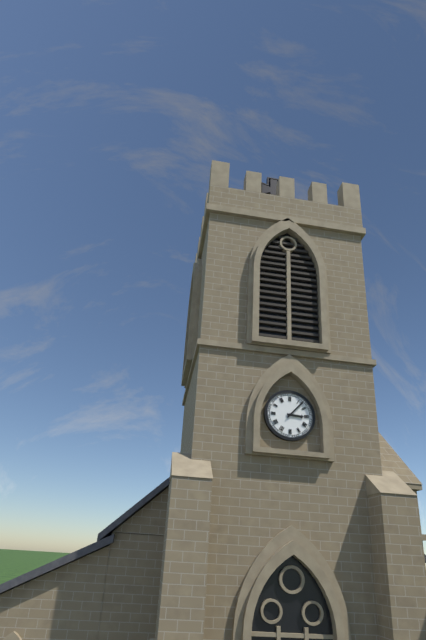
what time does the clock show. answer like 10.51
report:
3.07
